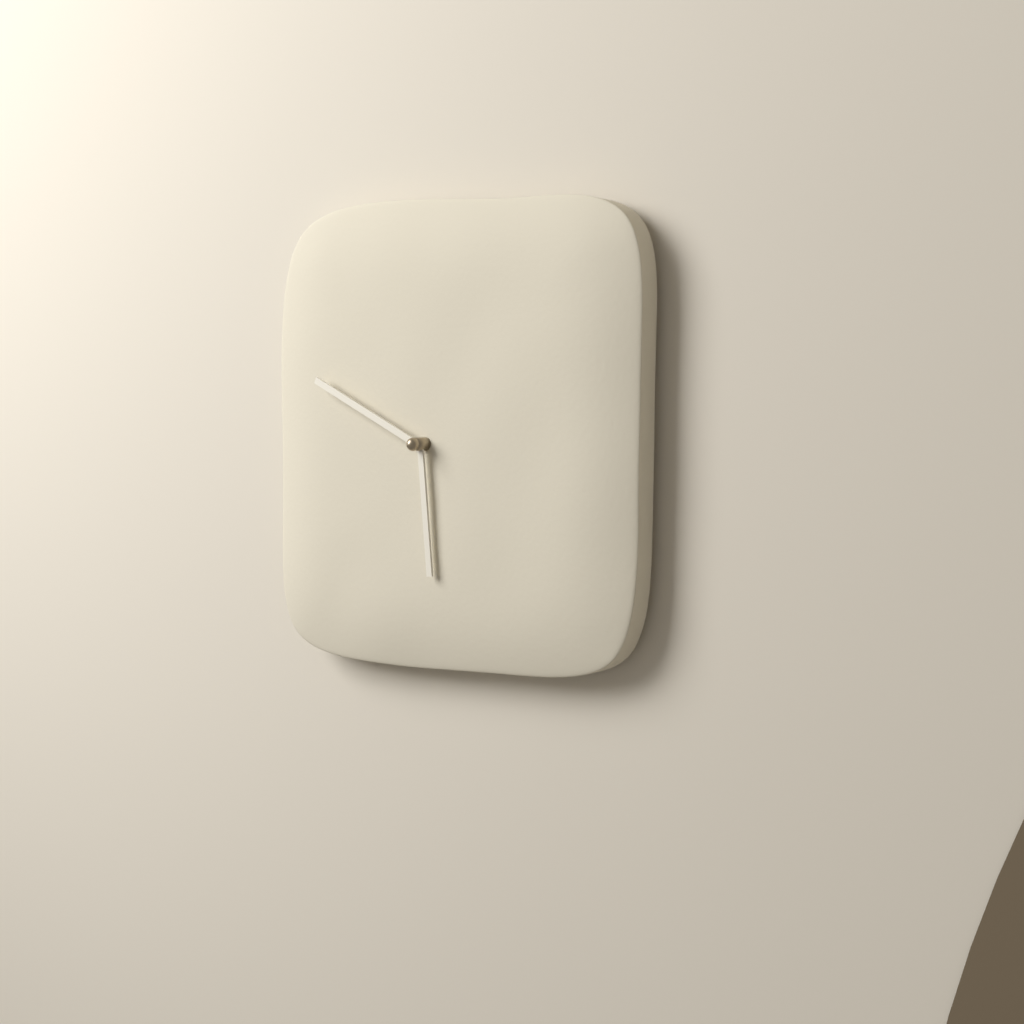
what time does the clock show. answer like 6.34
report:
5.49
